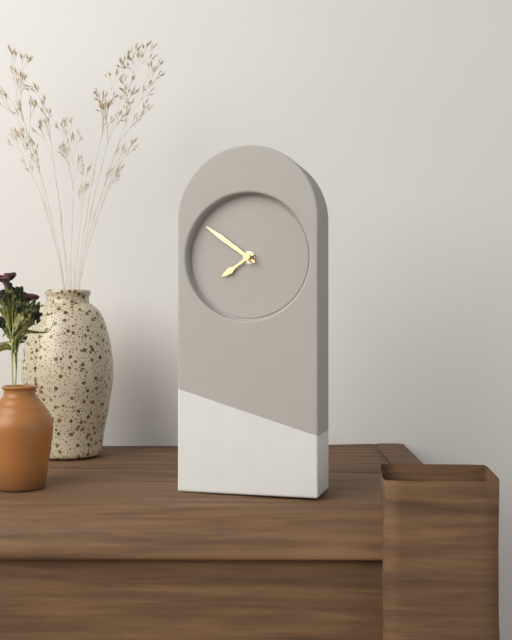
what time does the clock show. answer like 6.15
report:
7.51
